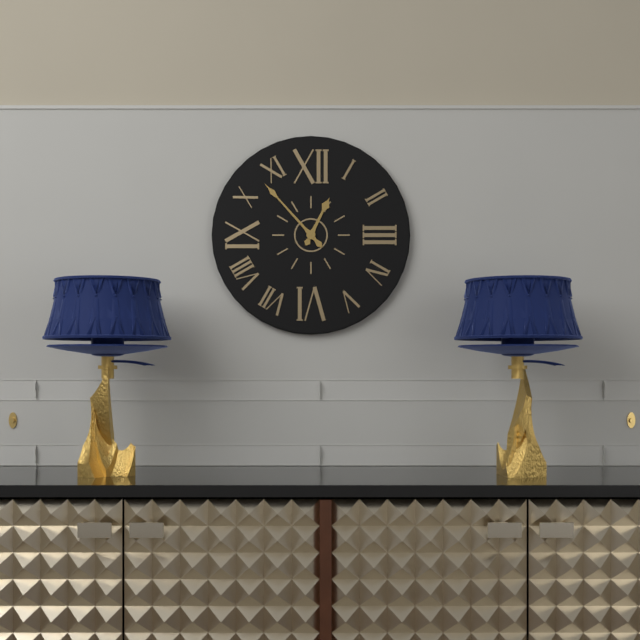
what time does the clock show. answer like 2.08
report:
12.53
